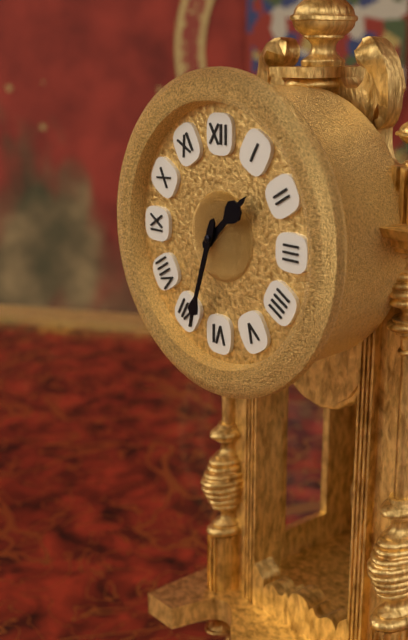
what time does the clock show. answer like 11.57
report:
1.33
